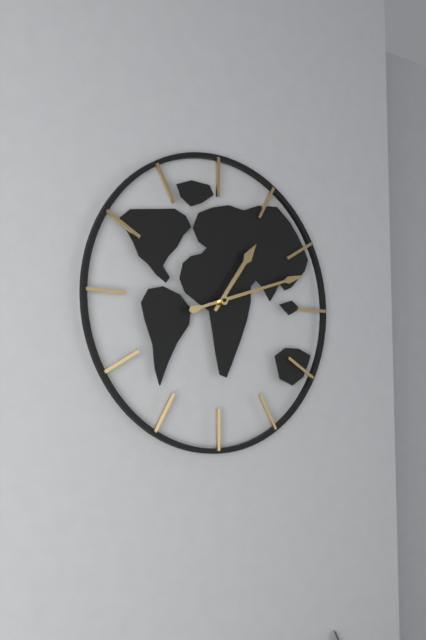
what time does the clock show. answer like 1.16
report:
1.12
